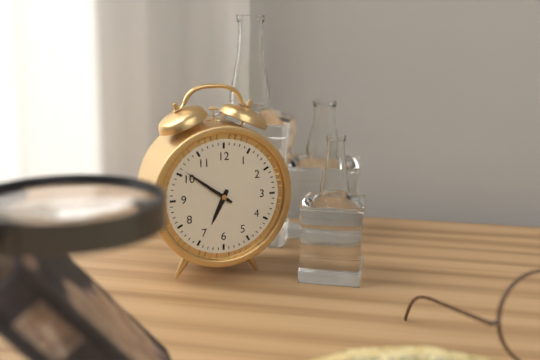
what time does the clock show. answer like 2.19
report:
6.51
